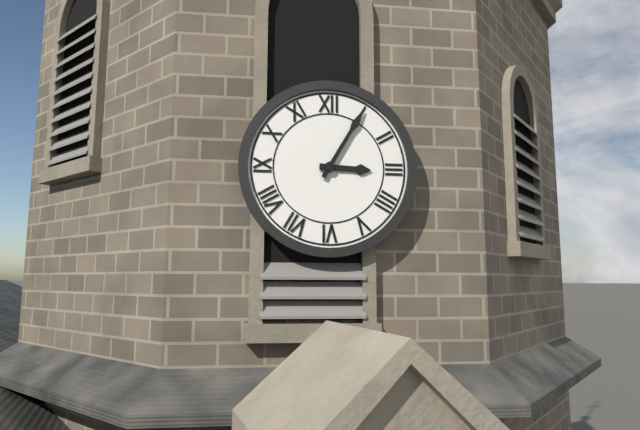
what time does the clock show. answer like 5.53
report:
3.05
